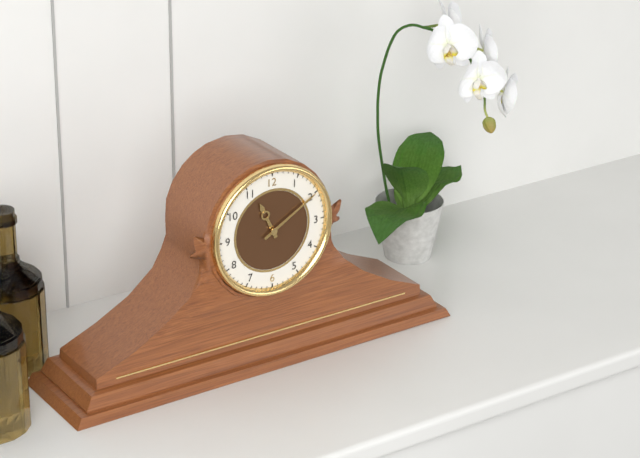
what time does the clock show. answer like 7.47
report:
11.10
